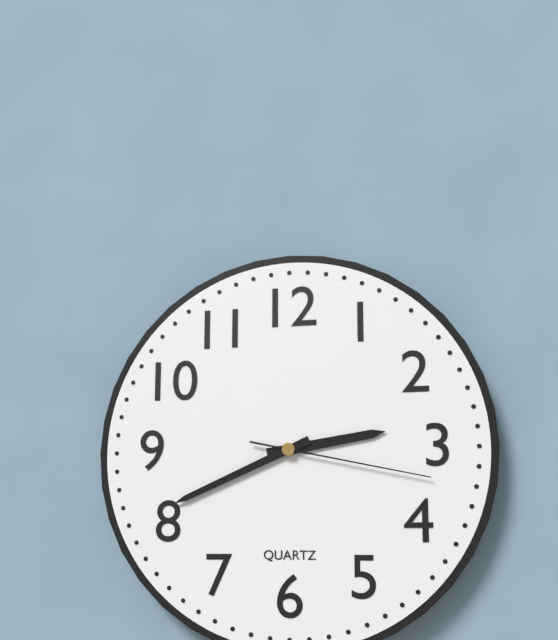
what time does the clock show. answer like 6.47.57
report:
2.41.17
